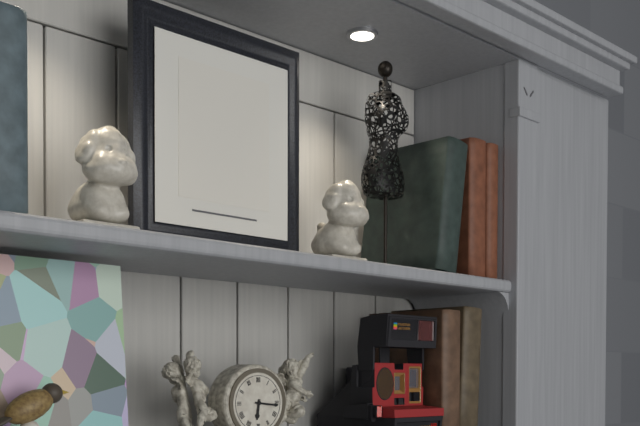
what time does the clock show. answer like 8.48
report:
6.16
